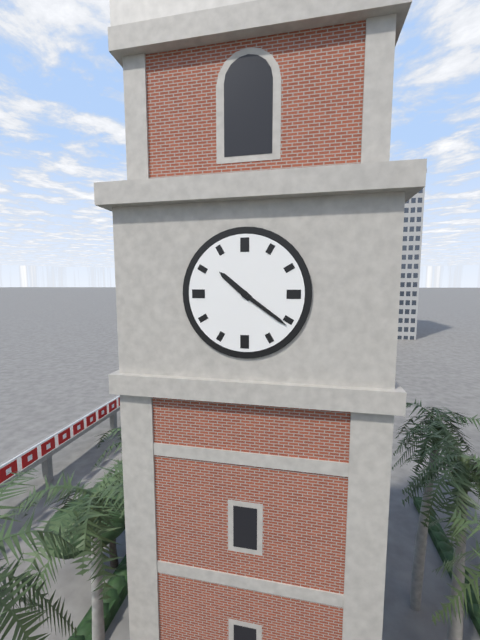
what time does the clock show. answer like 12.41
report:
10.21
